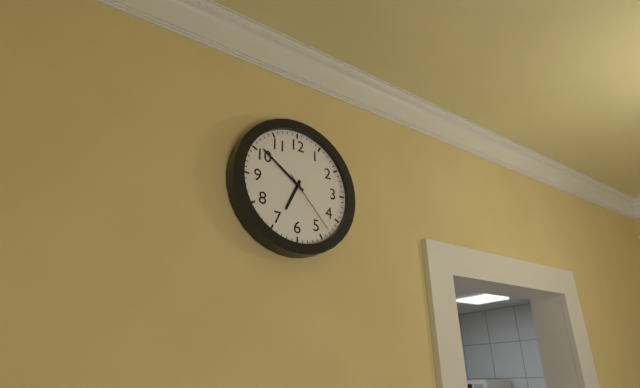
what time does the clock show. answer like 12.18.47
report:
6.51.23
